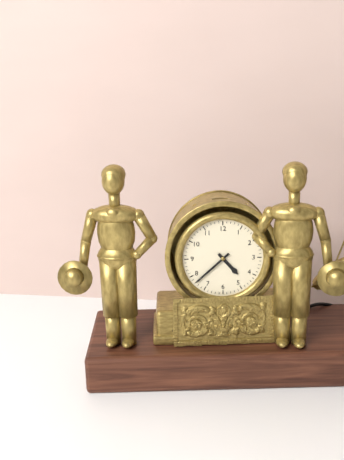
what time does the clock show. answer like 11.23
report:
4.38
